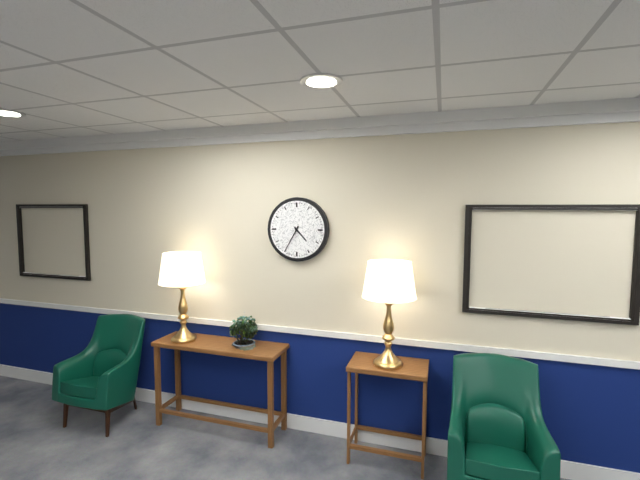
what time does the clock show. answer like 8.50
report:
4.35
